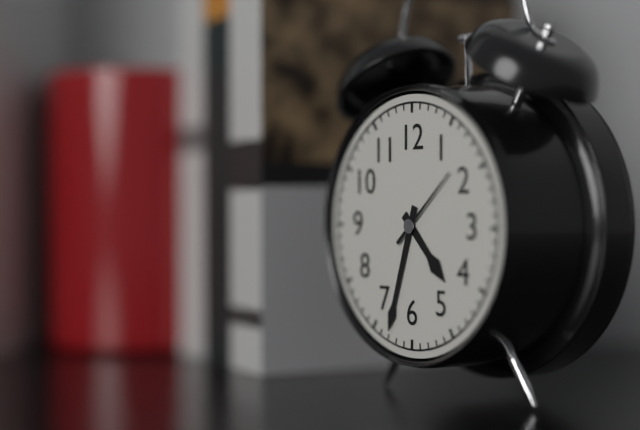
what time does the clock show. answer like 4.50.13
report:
4.33.08
